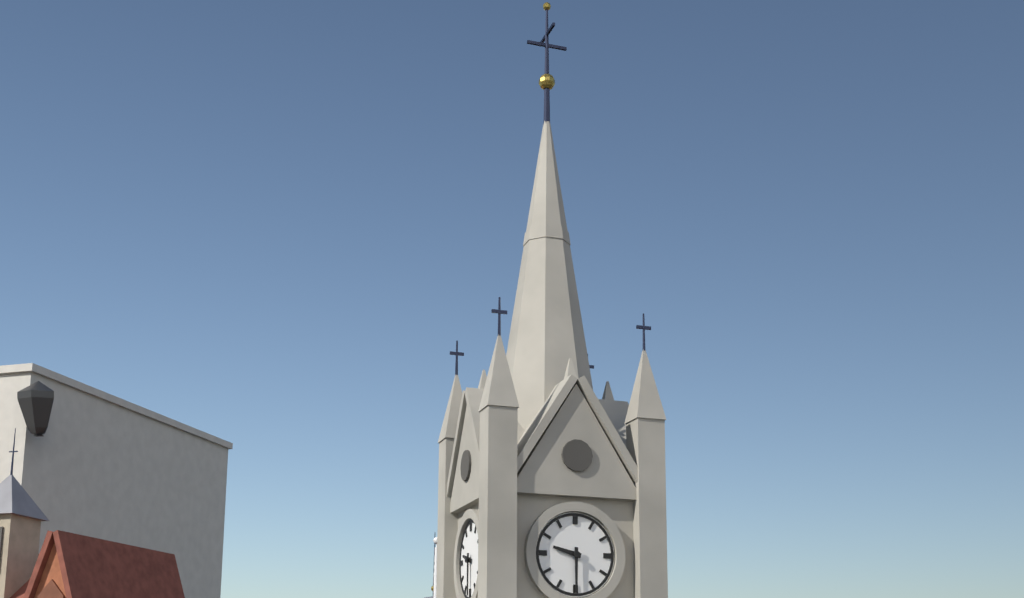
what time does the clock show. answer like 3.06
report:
9.30
